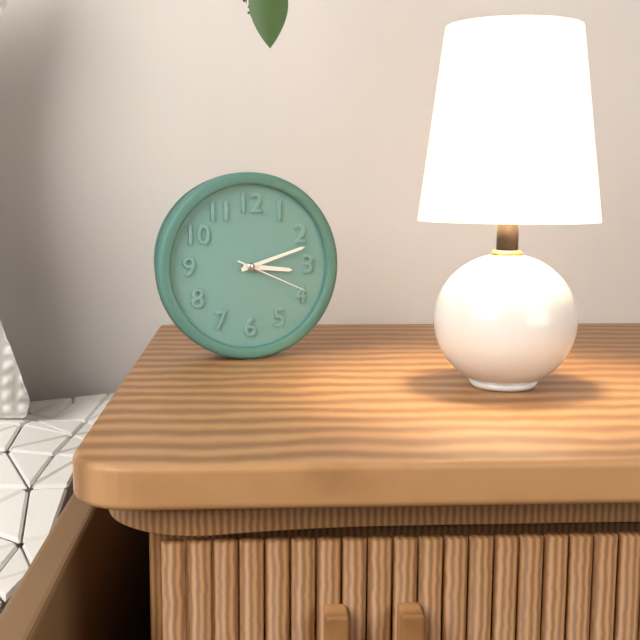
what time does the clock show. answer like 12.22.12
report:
3.12.19
